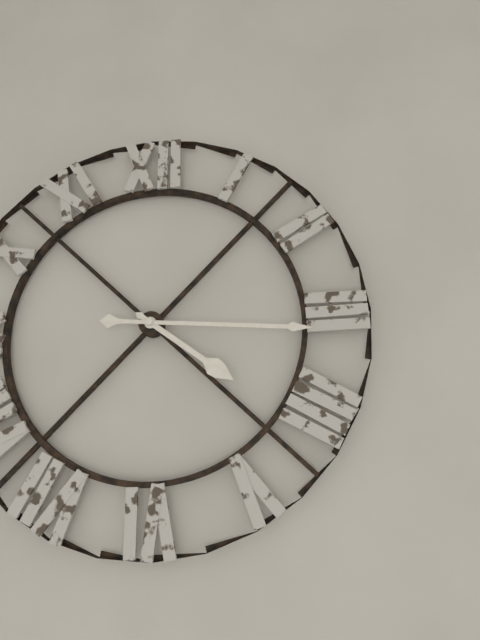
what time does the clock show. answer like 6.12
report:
4.16
